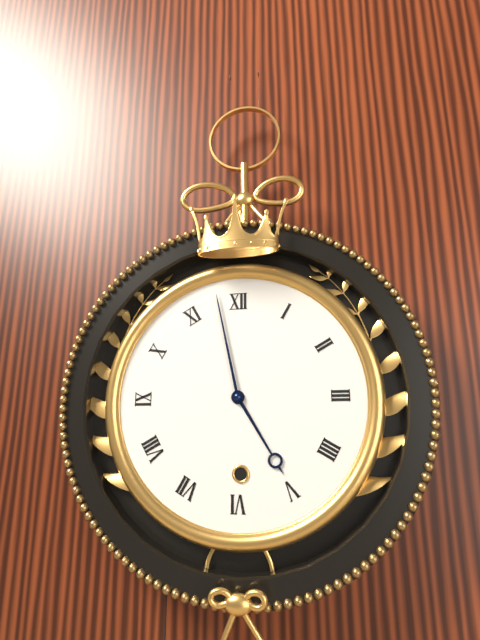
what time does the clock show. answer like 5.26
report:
4.58
